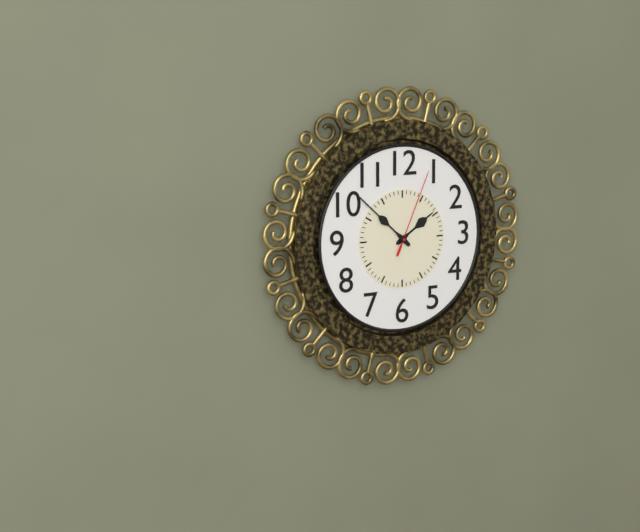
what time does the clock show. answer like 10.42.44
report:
1.52.04
